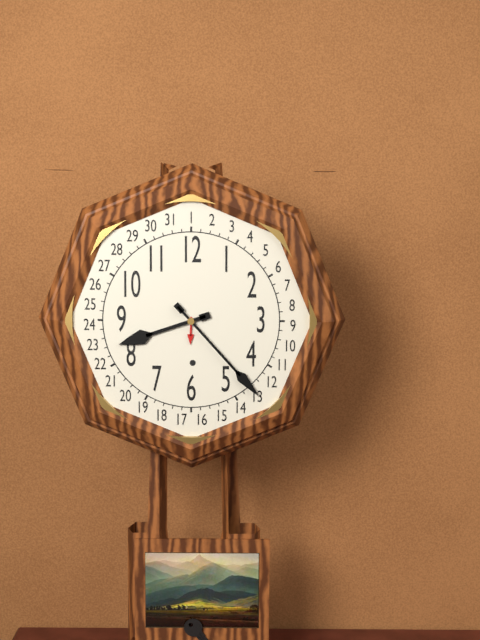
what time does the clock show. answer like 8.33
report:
8.23
